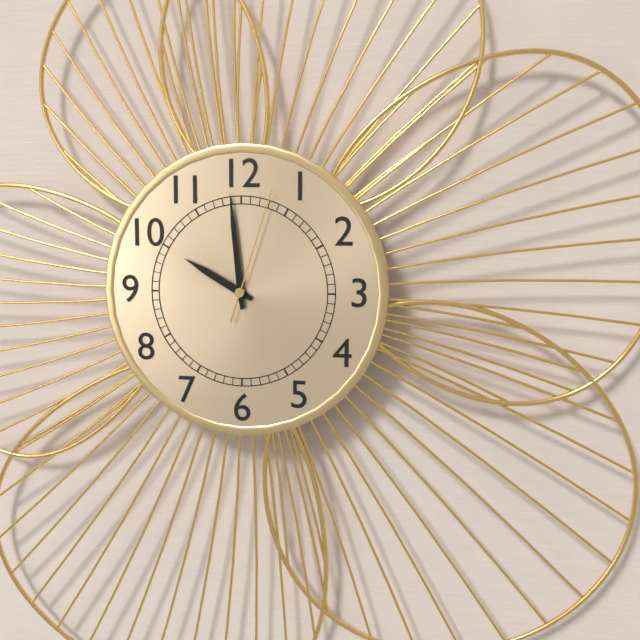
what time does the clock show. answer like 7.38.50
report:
9.59.03
